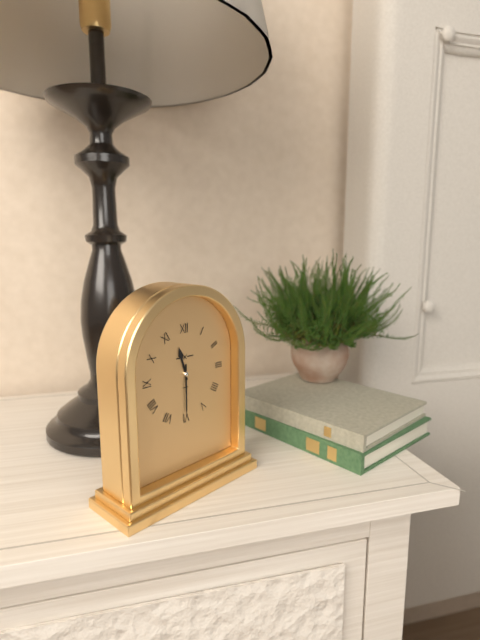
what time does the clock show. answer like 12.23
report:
11.30
